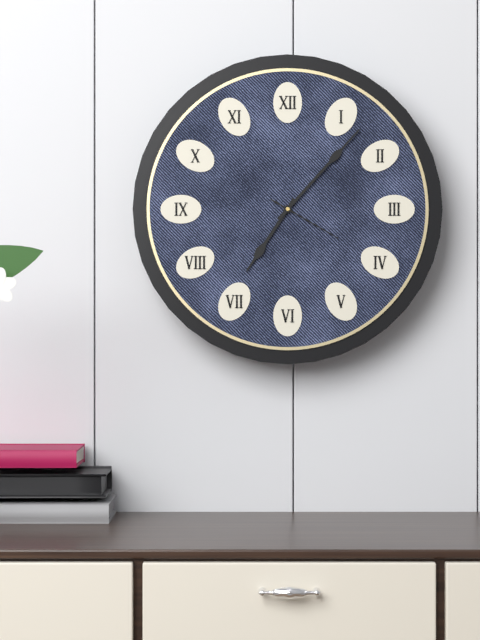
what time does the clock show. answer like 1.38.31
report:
7.07.20
